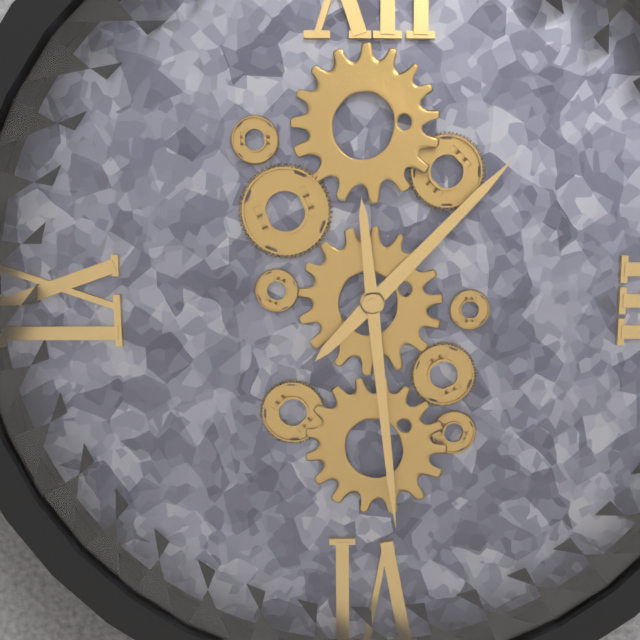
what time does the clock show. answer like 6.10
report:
1.29
